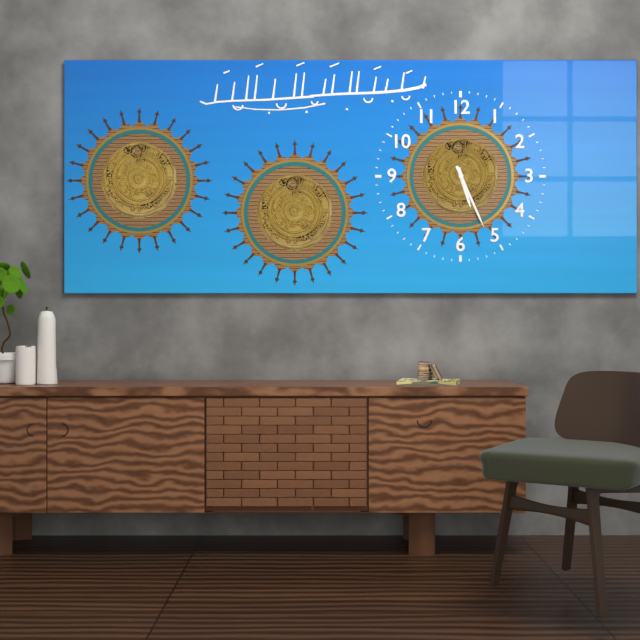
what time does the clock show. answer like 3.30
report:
5.26
